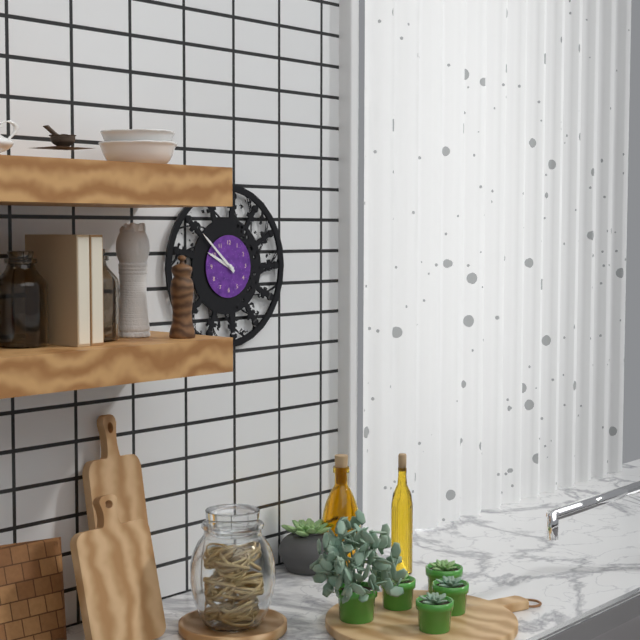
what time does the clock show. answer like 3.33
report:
9.52
